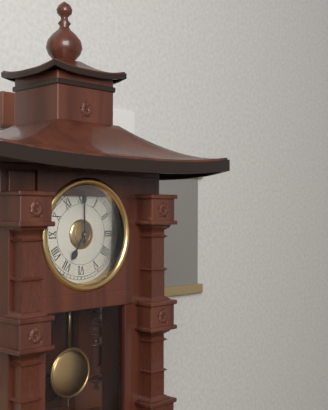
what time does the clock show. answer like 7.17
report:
7.00
